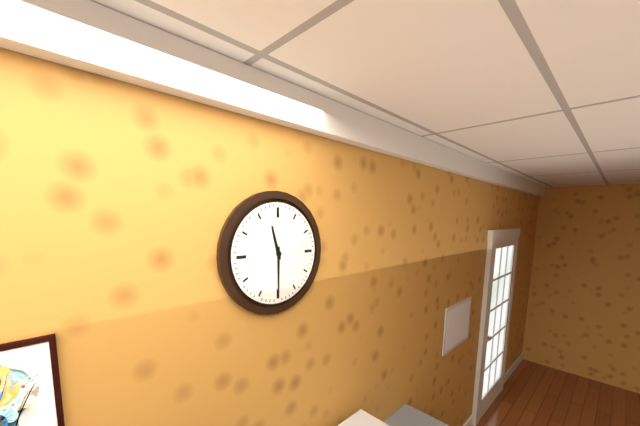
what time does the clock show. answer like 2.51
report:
11.30
